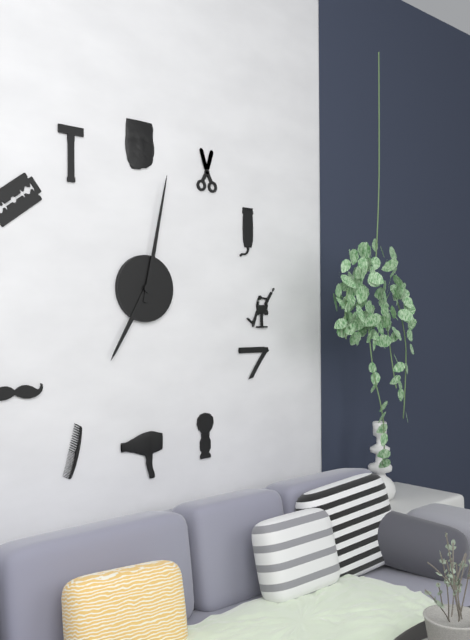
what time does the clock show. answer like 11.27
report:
7.02
